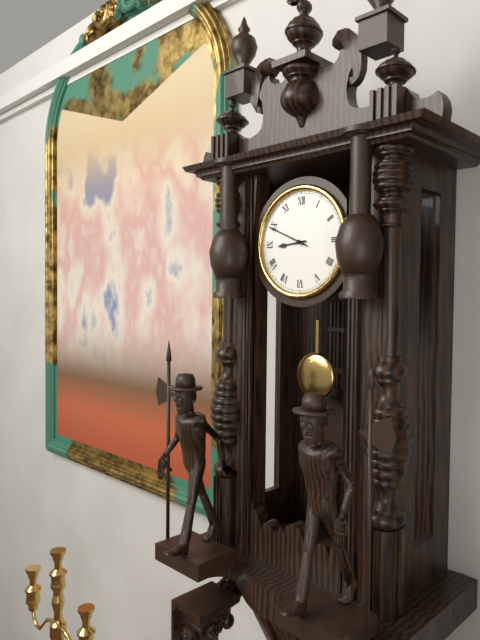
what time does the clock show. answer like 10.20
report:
8.49
